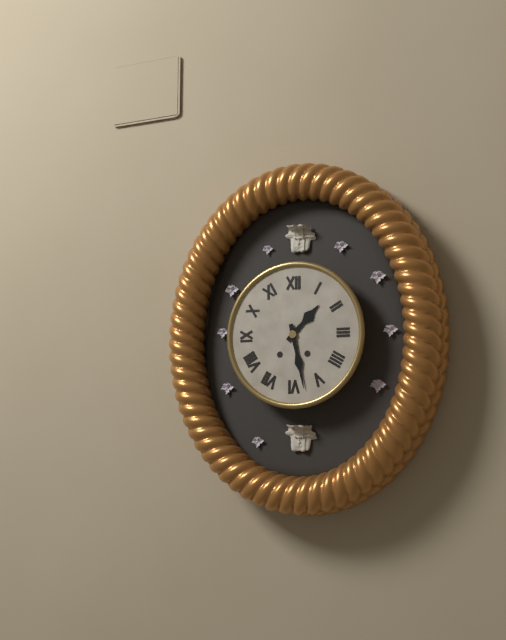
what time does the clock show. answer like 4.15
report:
1.28
